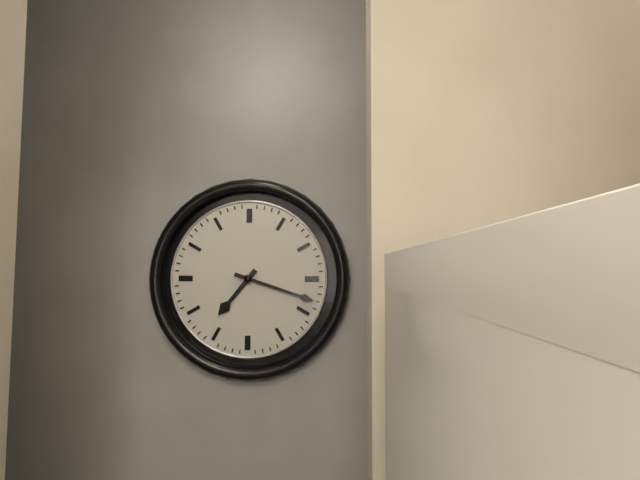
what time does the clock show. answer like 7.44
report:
7.18
